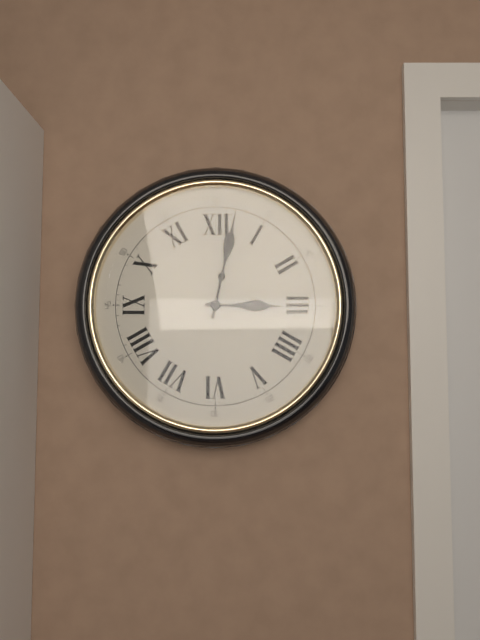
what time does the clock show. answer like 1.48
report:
3.02
